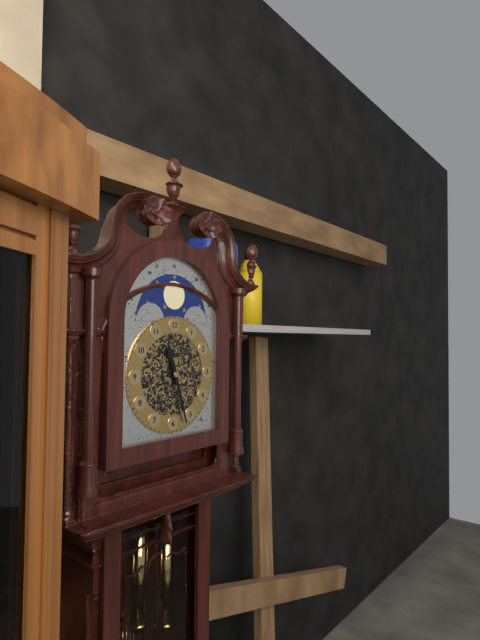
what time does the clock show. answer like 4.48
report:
11.27
